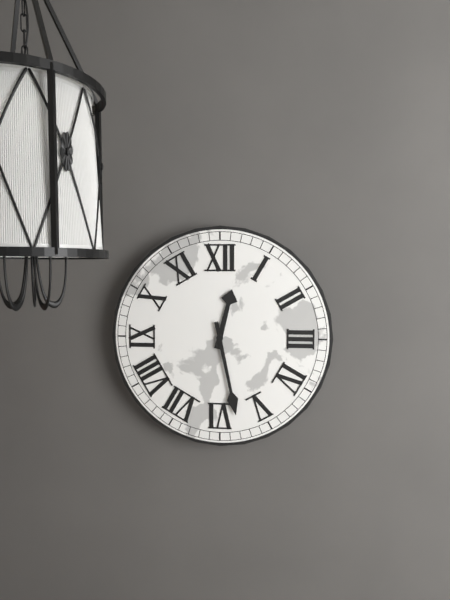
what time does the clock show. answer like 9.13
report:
12.28
